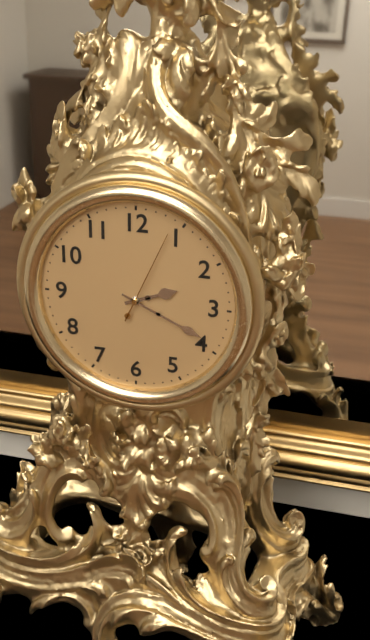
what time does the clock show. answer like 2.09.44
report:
2.19.04
